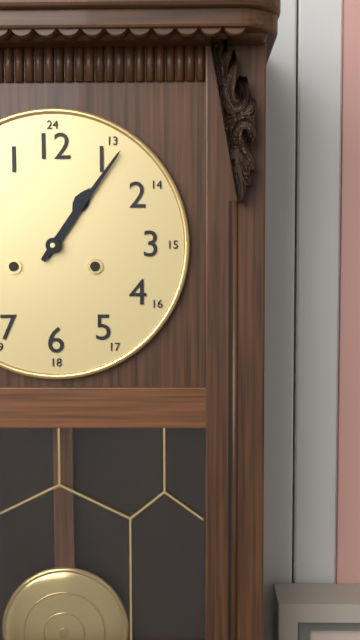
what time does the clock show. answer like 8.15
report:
1.06
